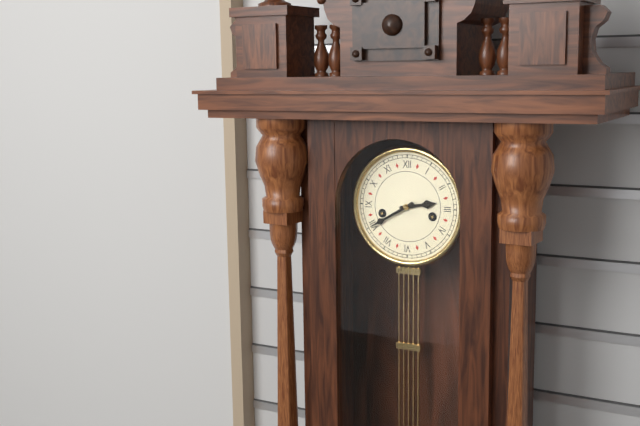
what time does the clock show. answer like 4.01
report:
2.40
